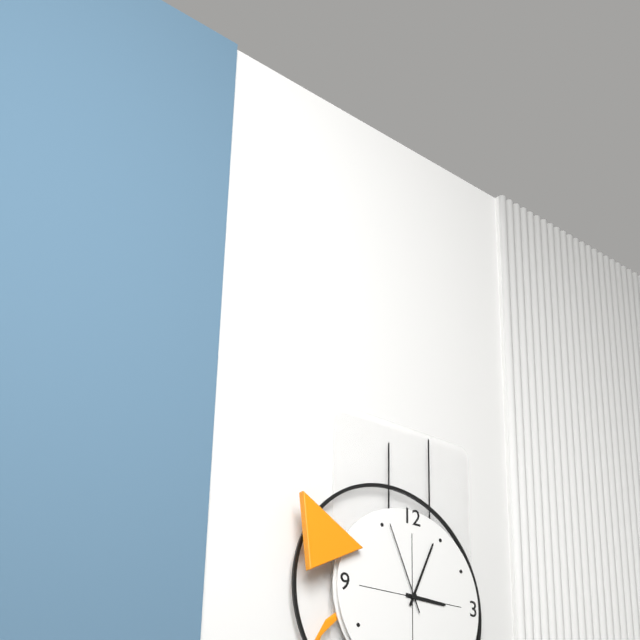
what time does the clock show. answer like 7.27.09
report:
3.04.56
